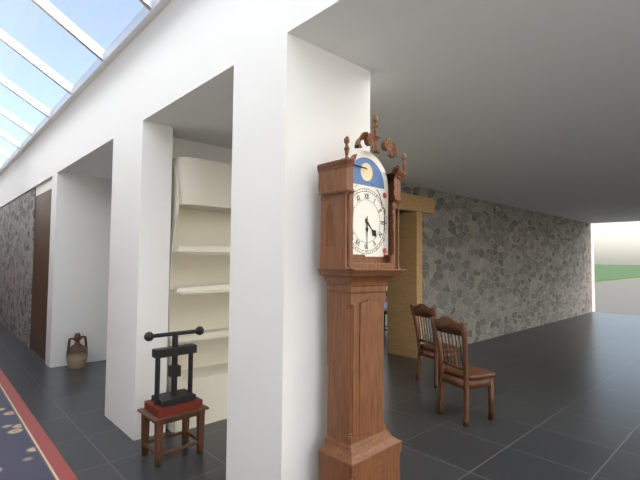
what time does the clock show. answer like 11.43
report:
4.30
